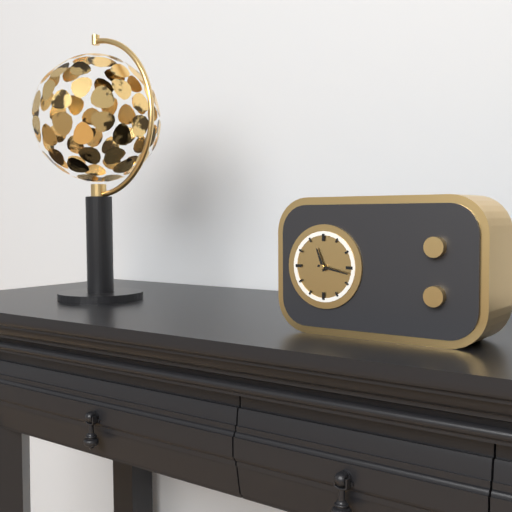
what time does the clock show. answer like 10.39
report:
11.17
